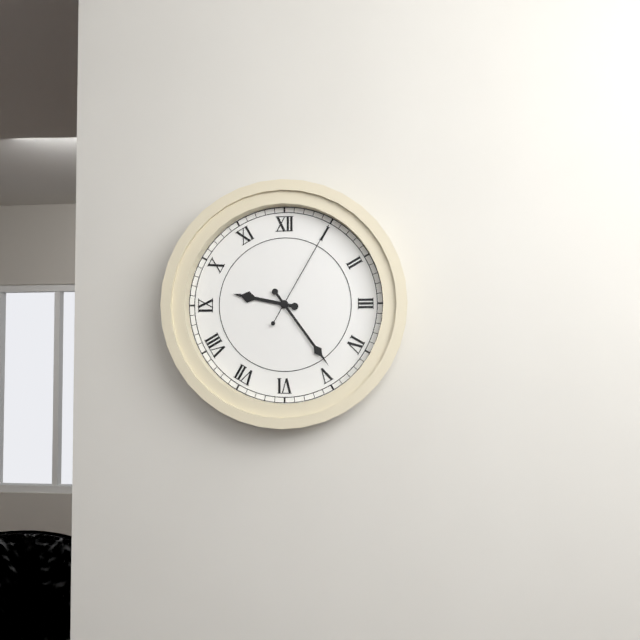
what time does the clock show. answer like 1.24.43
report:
9.24.05
